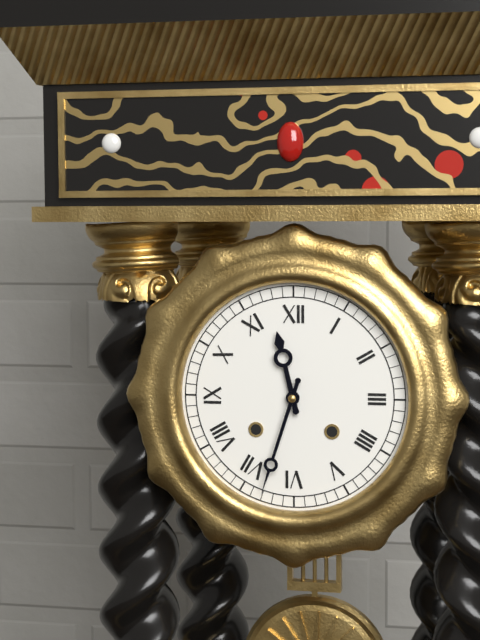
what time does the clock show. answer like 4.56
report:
11.33
